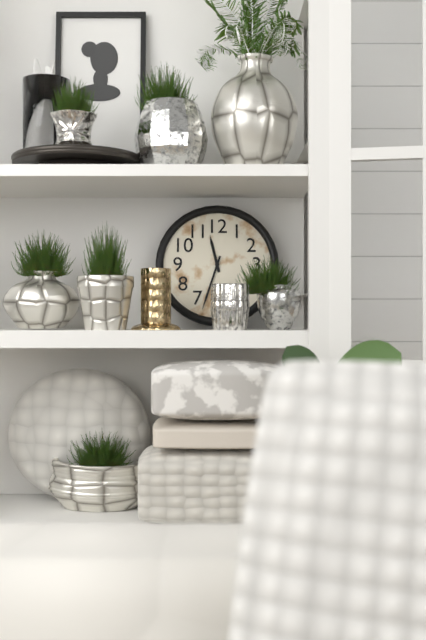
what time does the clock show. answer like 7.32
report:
11.33
